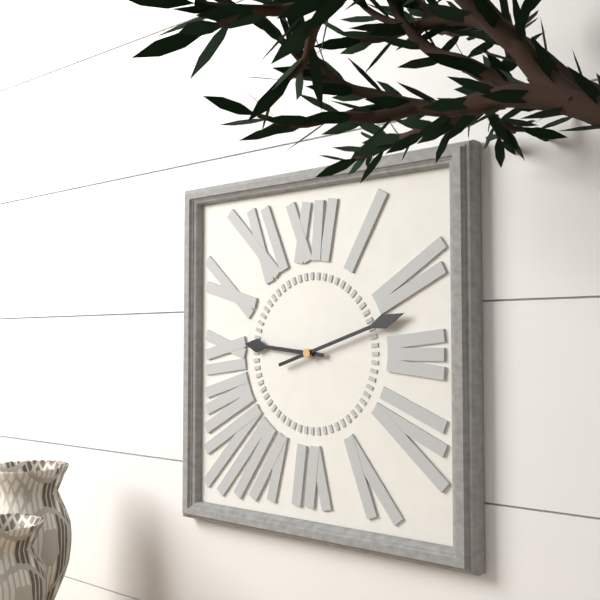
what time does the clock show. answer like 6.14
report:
9.12
